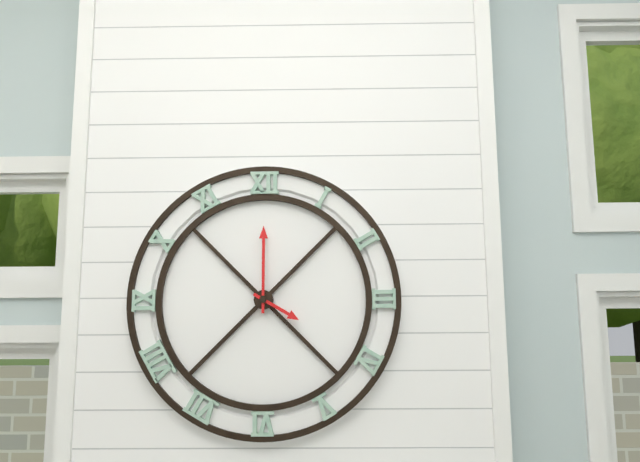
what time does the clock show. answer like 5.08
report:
4.00
